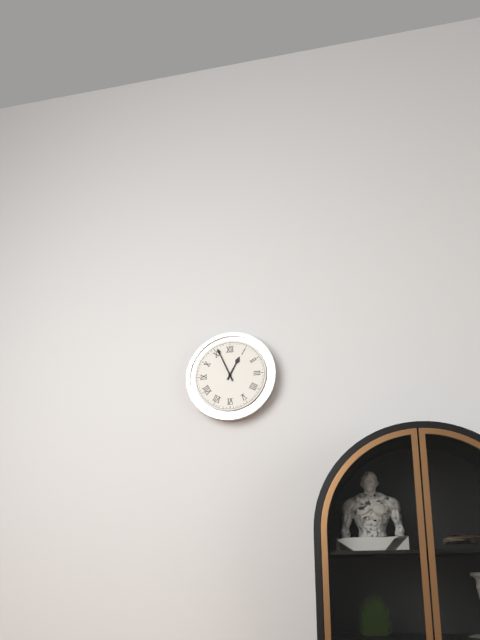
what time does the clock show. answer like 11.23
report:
12.56
